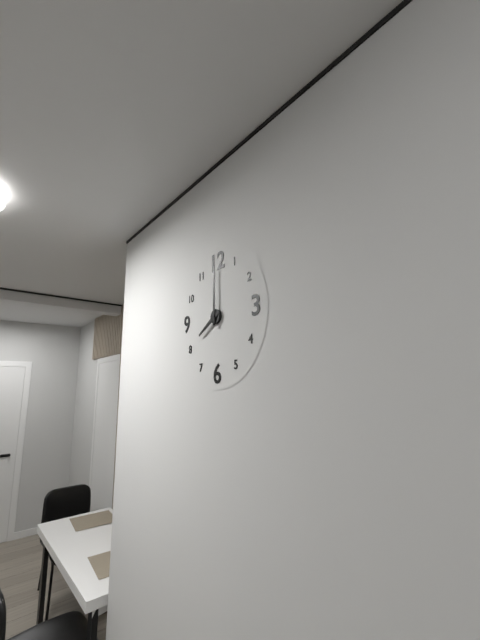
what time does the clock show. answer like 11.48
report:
8.00
